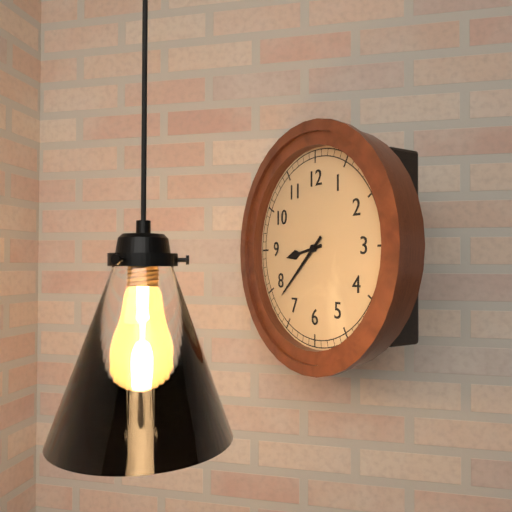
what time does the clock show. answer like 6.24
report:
8.38
